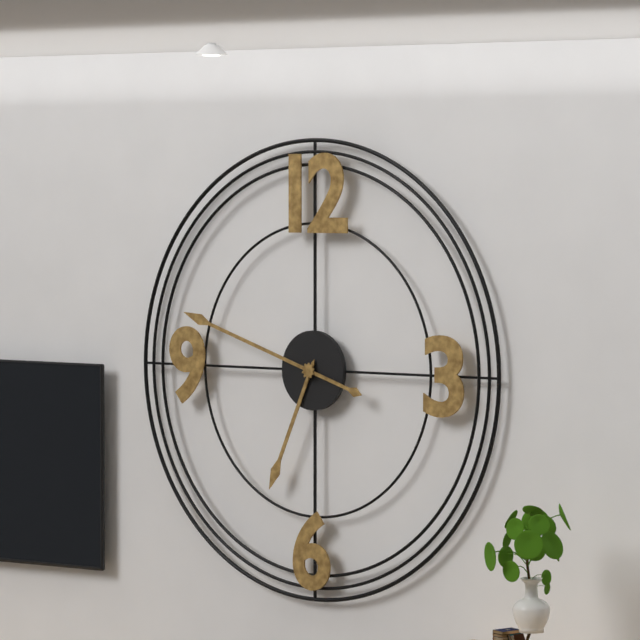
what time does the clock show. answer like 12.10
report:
6.48
